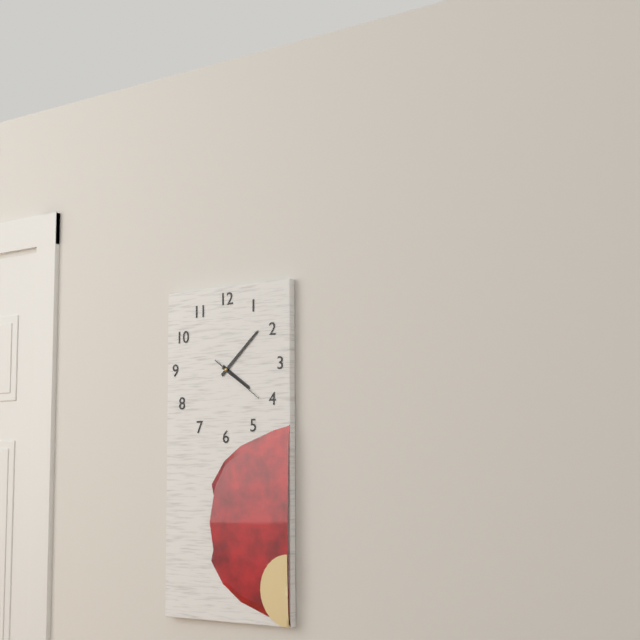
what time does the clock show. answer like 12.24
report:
4.08
